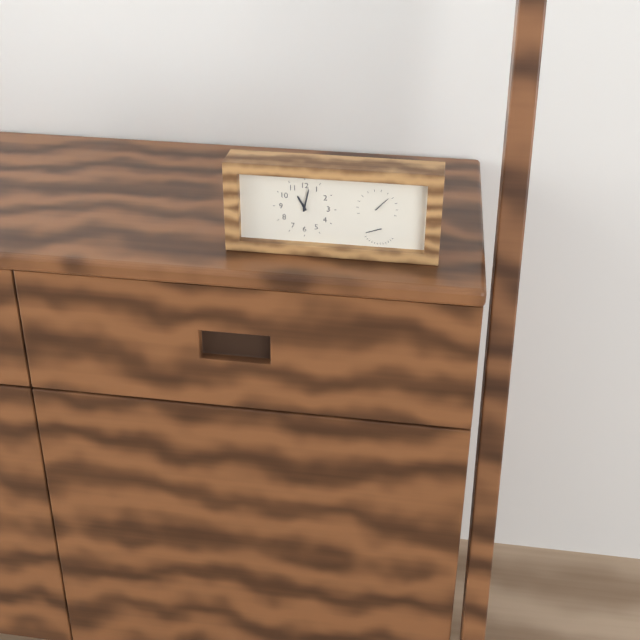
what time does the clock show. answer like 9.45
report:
11.02
